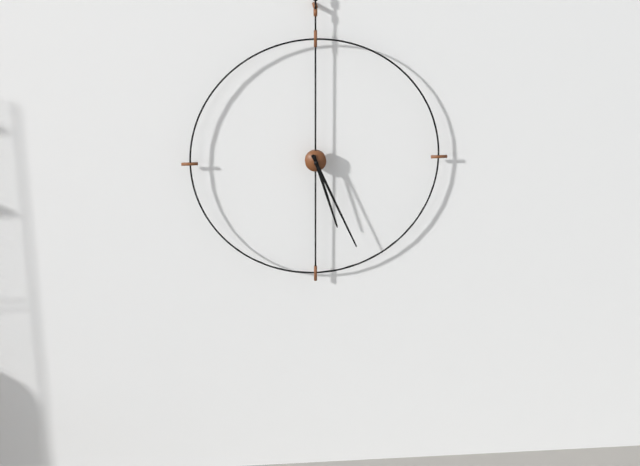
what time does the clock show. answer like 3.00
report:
5.26
